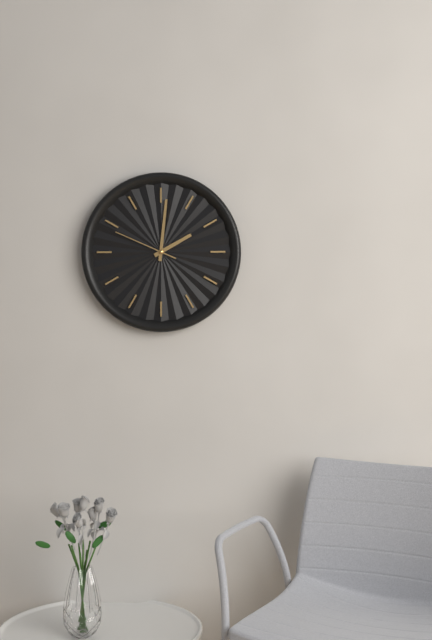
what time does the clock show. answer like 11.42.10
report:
2.01.49
